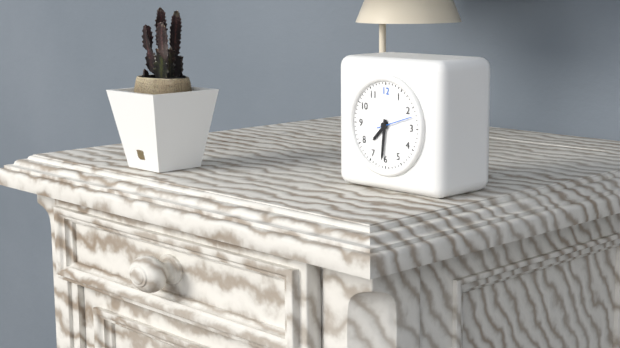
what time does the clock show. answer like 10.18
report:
7.31
